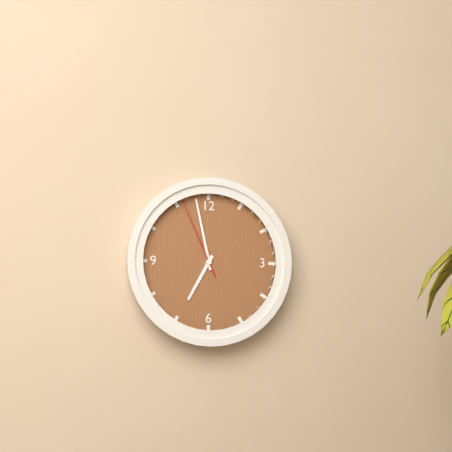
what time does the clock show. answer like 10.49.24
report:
6.58.56
